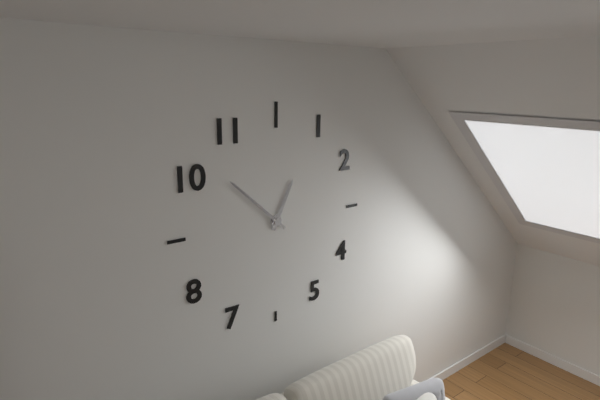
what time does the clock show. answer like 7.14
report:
12.52
